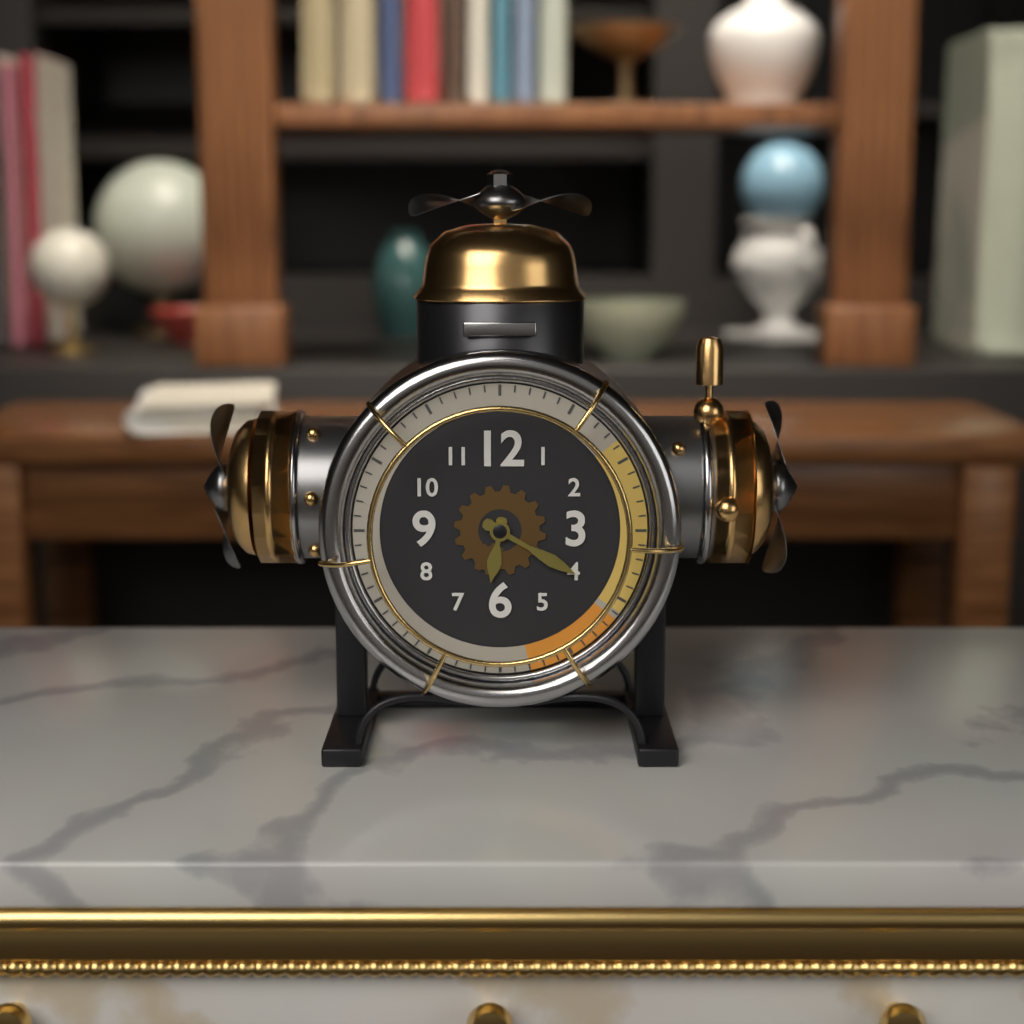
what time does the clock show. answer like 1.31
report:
6.20
